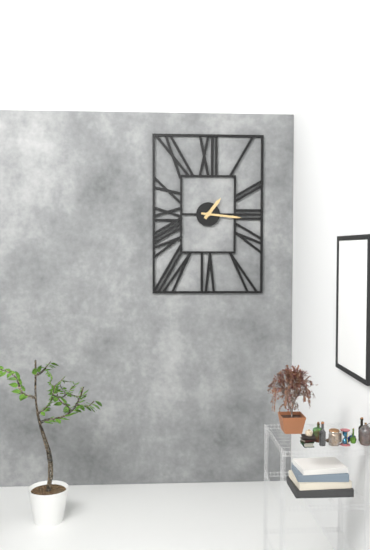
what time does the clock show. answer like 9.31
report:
1.16
